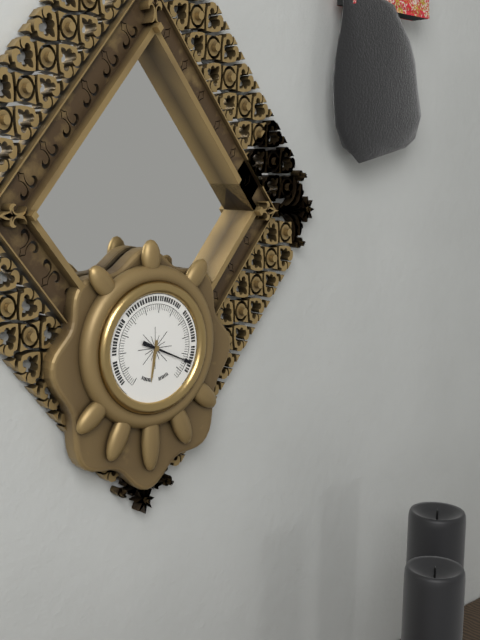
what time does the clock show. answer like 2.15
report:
6.19
